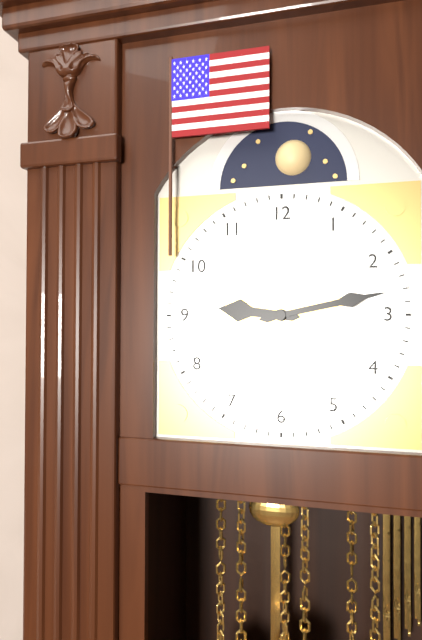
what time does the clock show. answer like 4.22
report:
9.13
